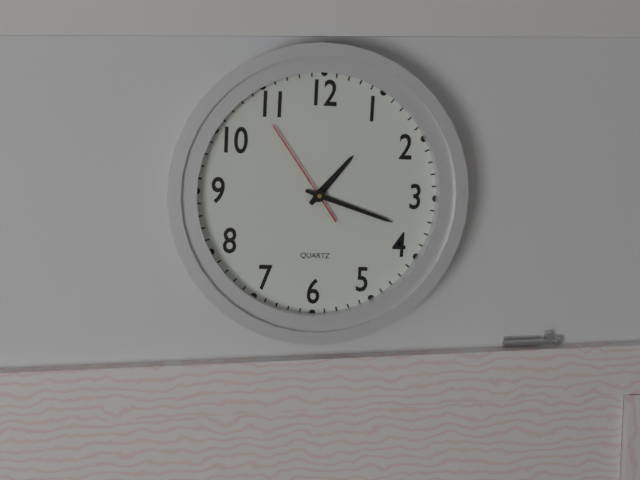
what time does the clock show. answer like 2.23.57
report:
1.18.54
